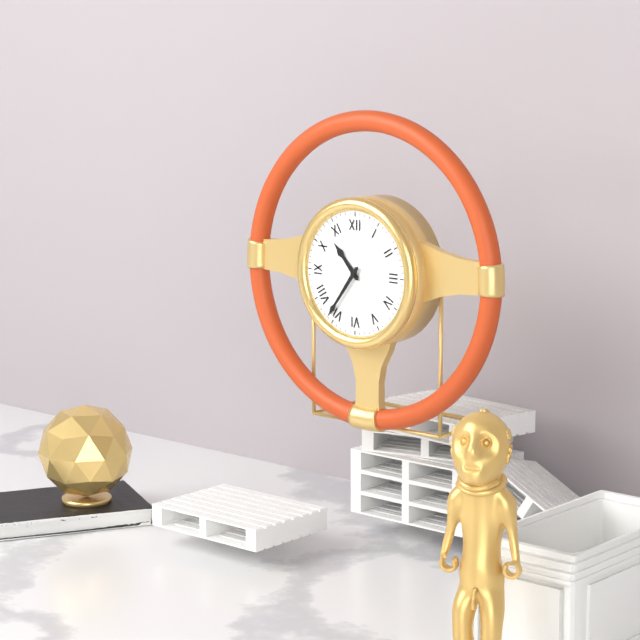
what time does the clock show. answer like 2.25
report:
10.36
